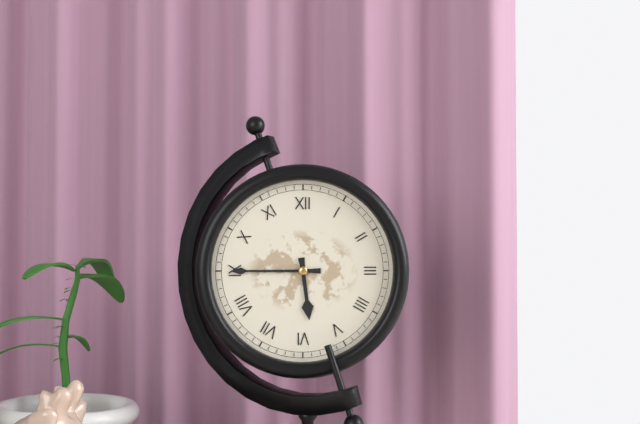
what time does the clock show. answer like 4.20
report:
5.45
